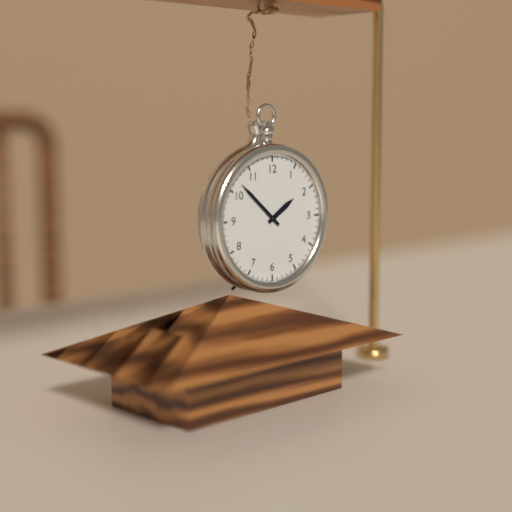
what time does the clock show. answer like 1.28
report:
1.52
